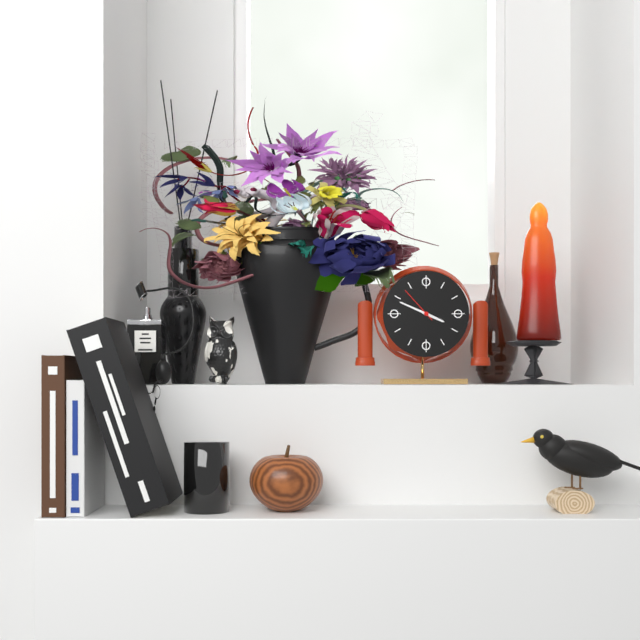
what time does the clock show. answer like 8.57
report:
3.49
